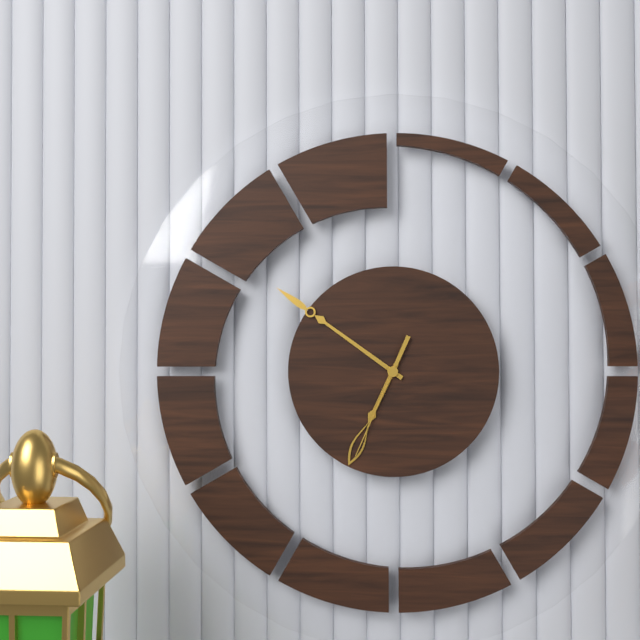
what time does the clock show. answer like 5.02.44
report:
6.51.34
